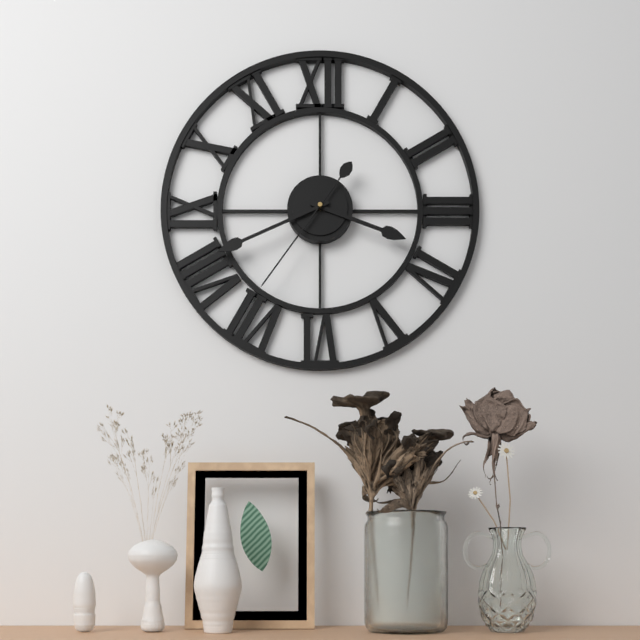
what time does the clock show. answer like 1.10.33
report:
3.41.36
